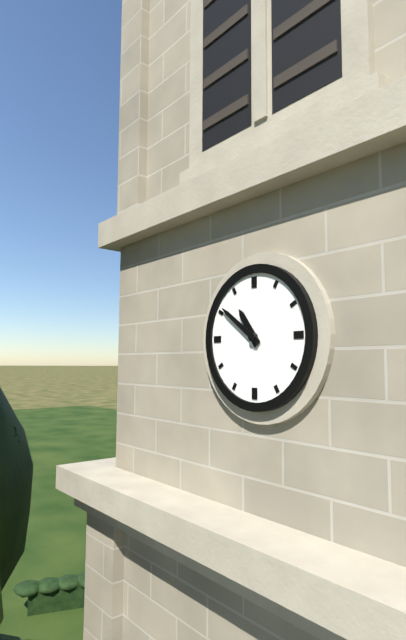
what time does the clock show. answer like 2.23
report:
10.51
